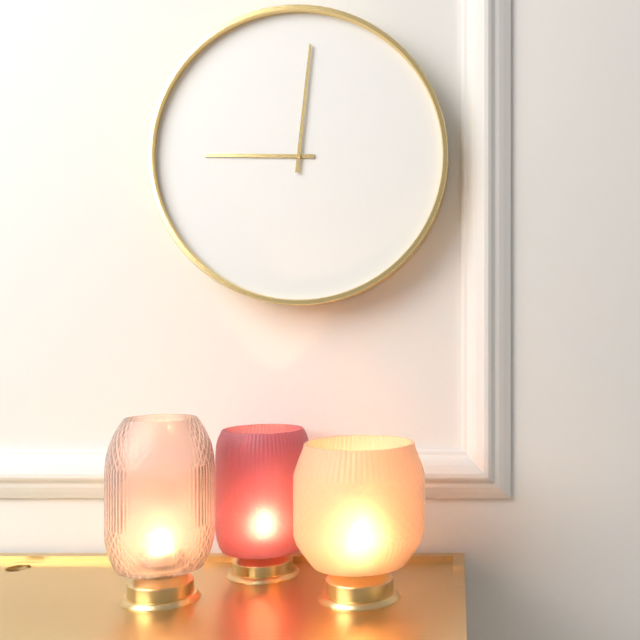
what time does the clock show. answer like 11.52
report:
9.01
